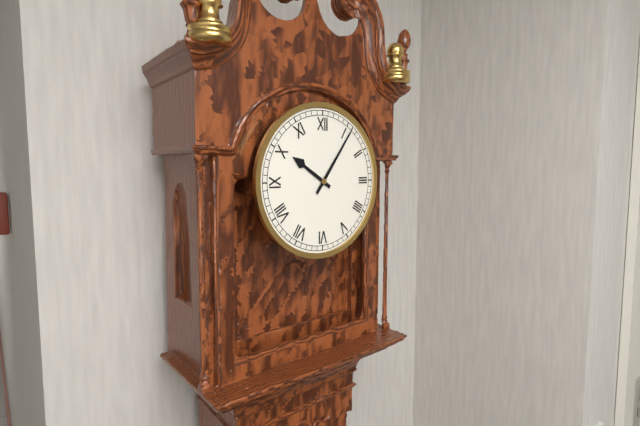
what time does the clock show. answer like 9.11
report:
10.06
